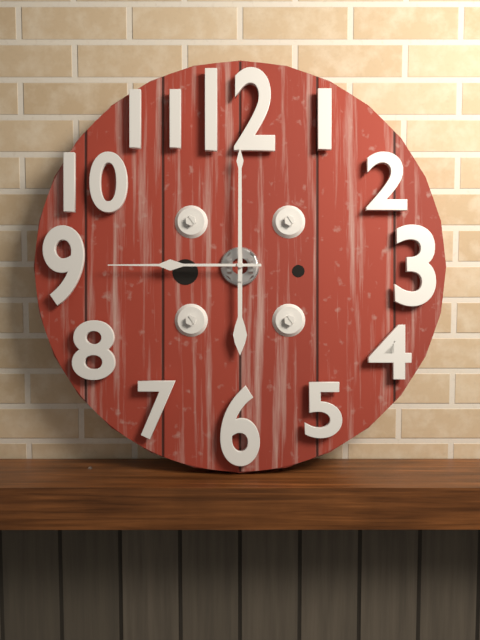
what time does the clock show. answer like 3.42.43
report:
6.00.45
